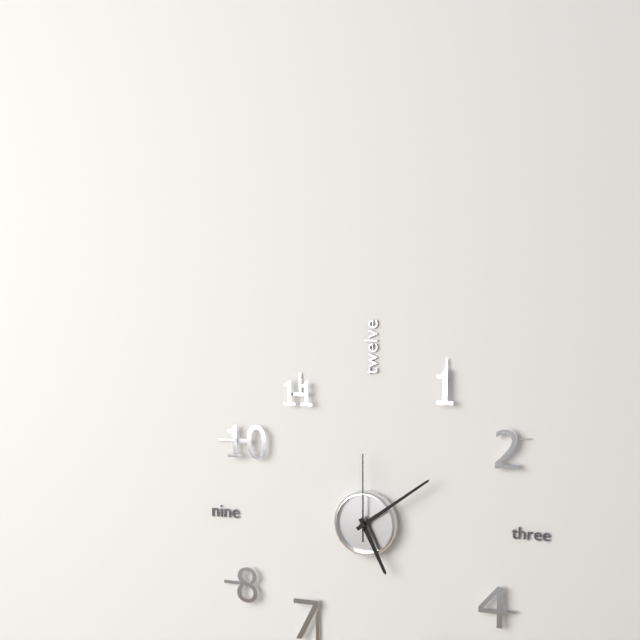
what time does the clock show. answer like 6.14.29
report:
5.09.00
